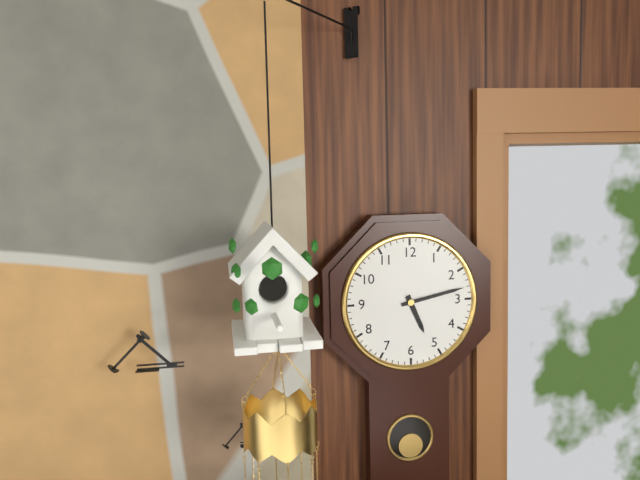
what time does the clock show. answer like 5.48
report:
5.13
